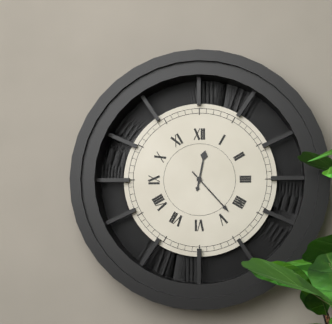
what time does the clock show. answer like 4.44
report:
12.23
